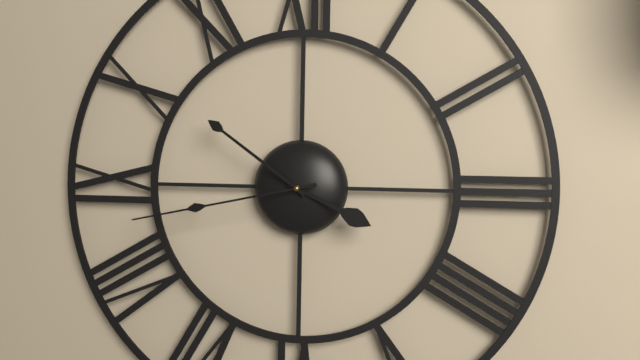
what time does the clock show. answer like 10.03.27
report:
3.51.43
